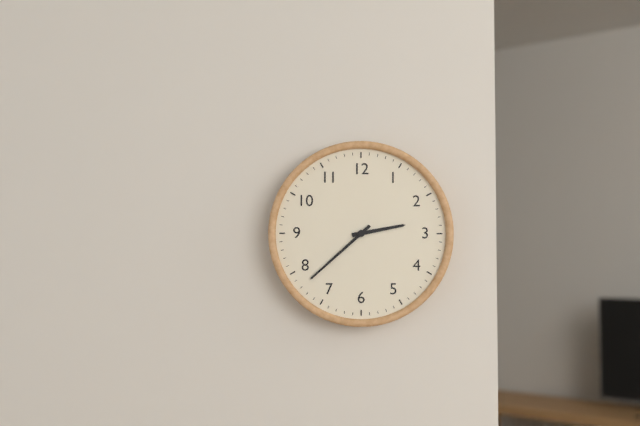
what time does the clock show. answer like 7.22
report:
2.38
